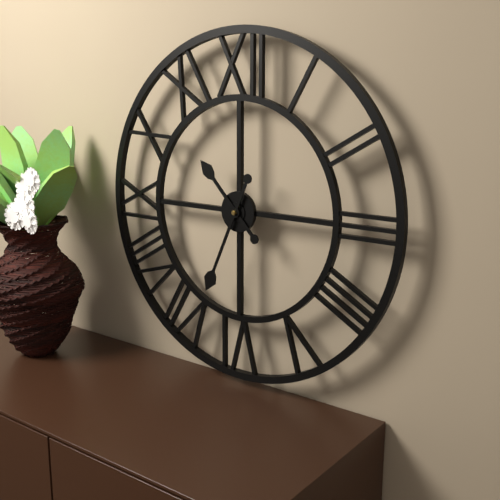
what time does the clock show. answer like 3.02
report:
10.34
